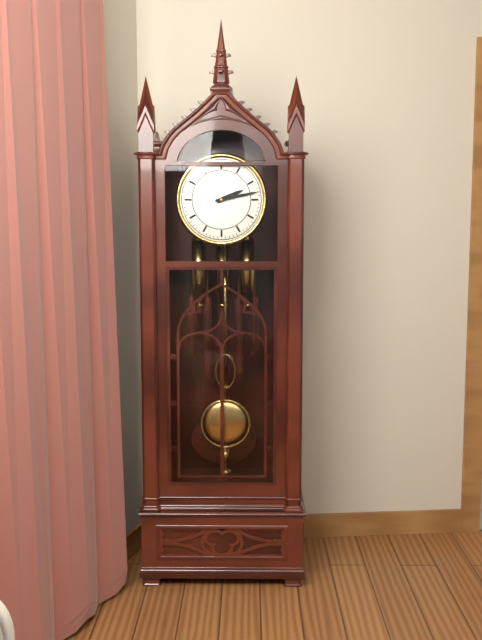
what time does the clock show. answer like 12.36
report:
2.13
